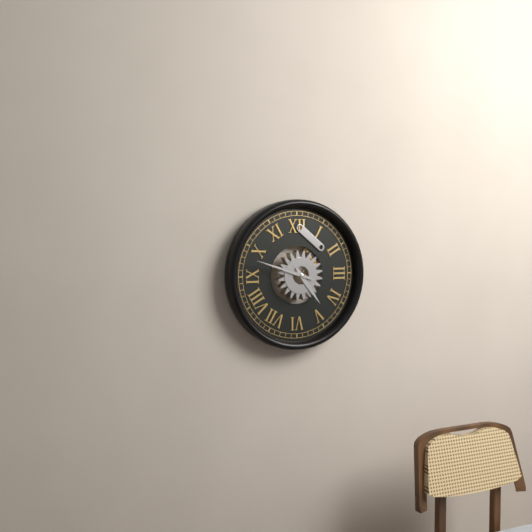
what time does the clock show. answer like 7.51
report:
4.48
